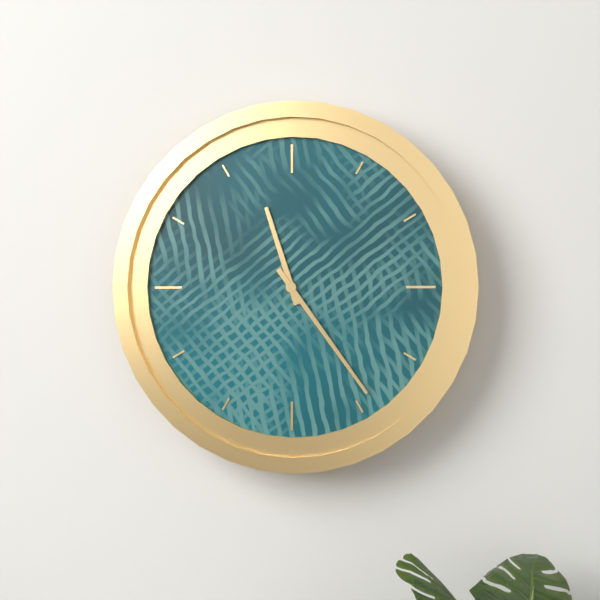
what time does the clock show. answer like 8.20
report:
11.24
